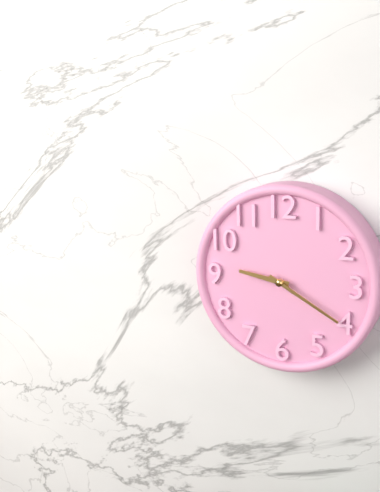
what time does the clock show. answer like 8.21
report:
9.20
